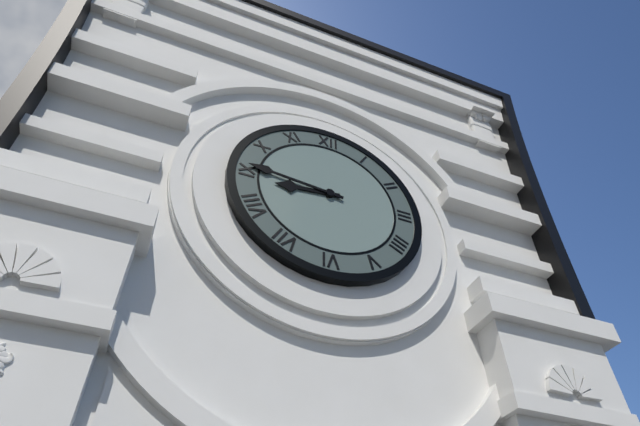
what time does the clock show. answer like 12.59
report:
8.46
